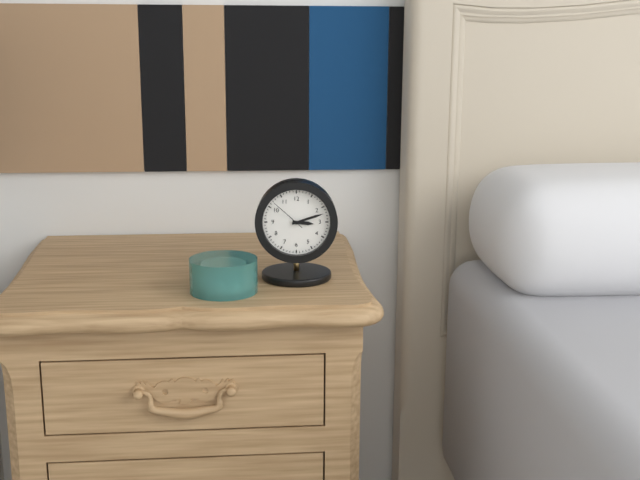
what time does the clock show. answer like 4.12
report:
3.12
